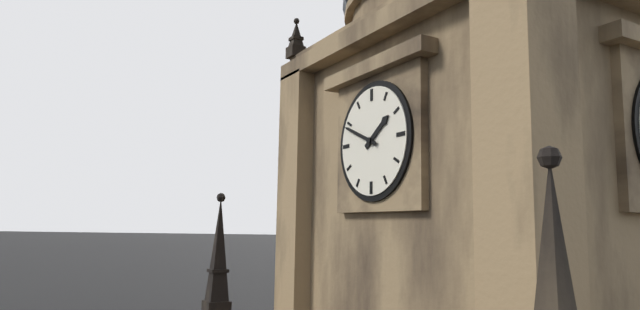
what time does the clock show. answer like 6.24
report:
1.49
